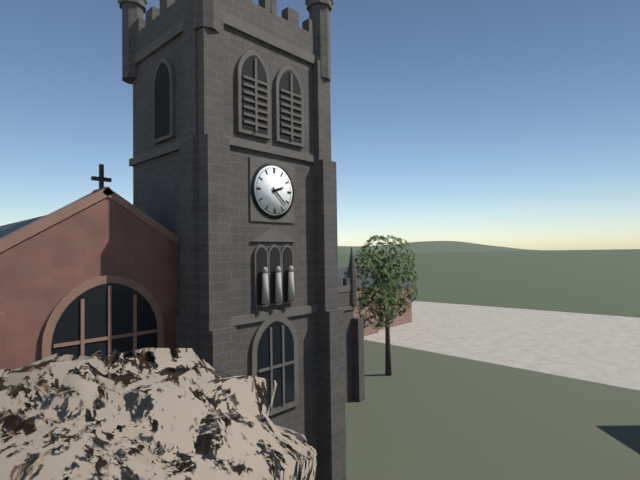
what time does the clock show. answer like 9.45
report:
2.22
